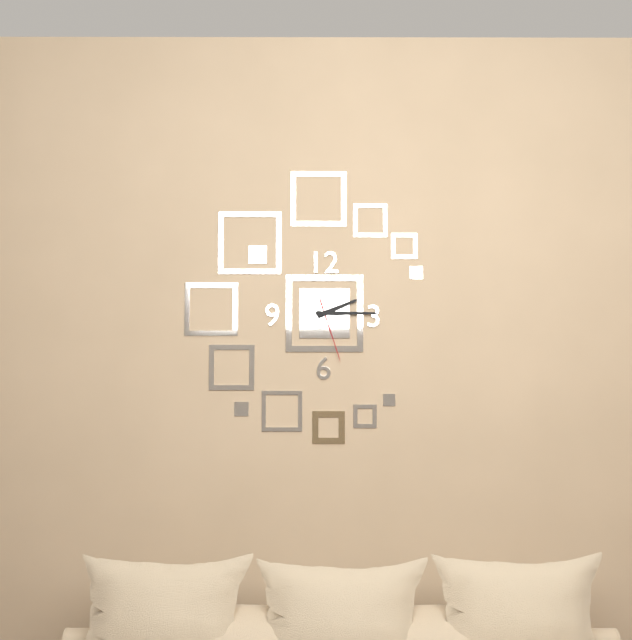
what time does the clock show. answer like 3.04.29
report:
2.15.27
